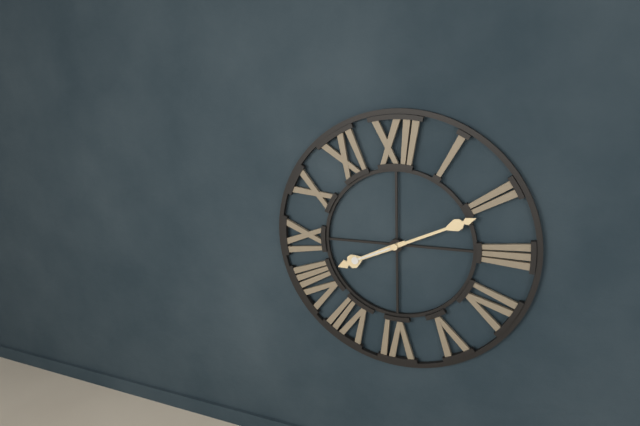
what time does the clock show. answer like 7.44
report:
8.11
